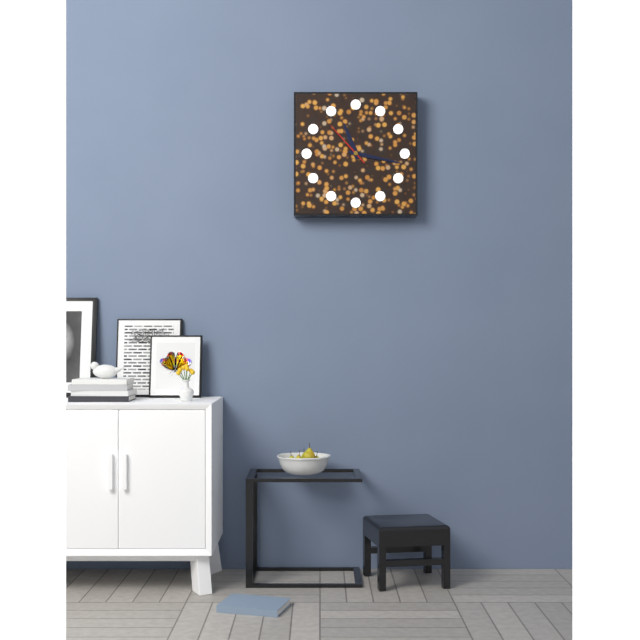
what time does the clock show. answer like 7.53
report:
11.17
